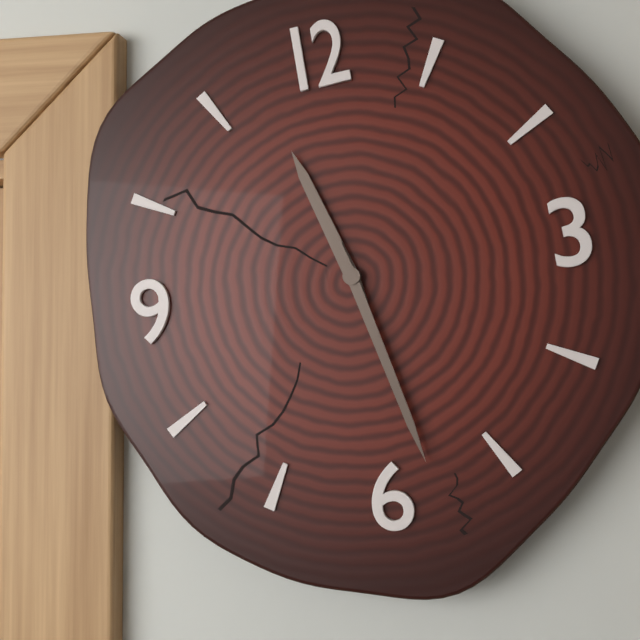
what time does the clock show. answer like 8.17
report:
11.28
